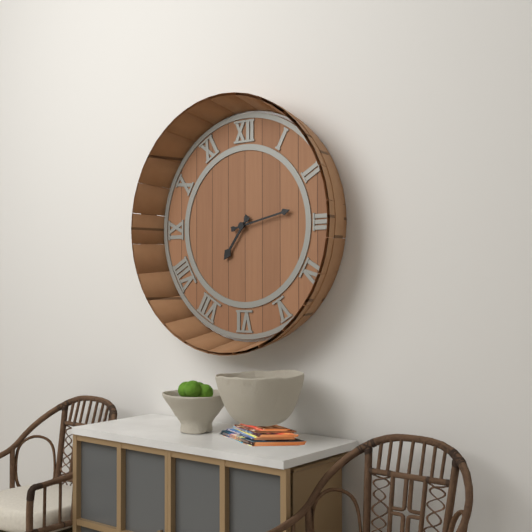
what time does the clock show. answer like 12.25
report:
7.13
